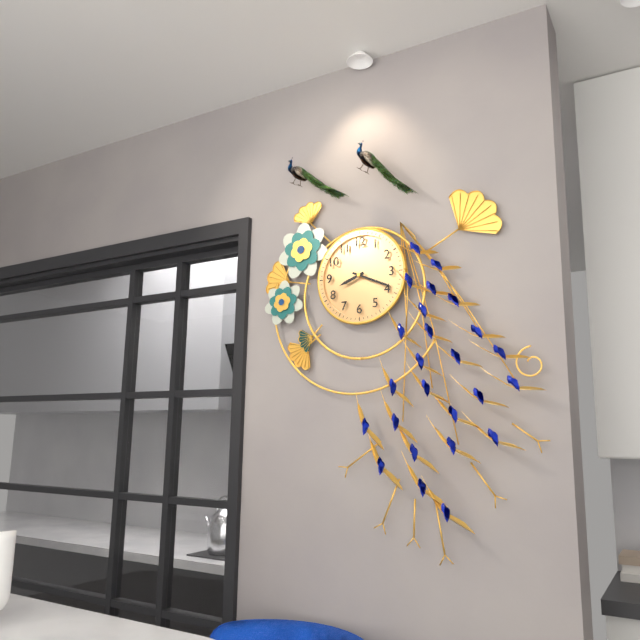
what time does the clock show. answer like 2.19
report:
8.19
